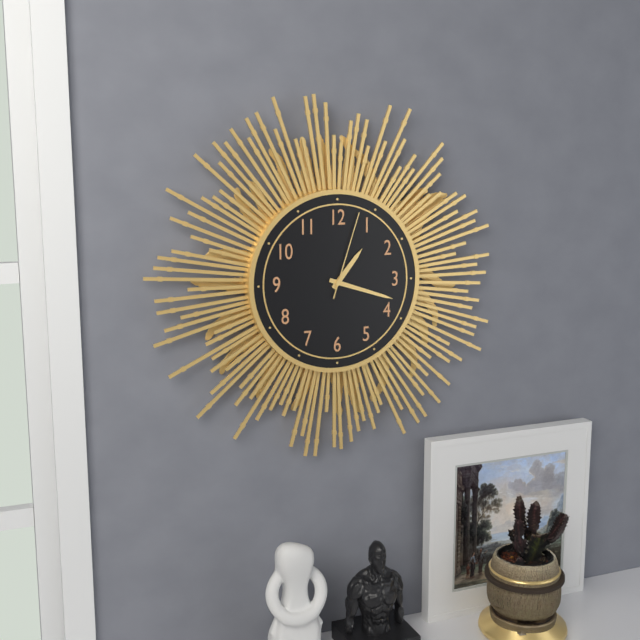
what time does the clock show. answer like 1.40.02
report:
1.18.03
